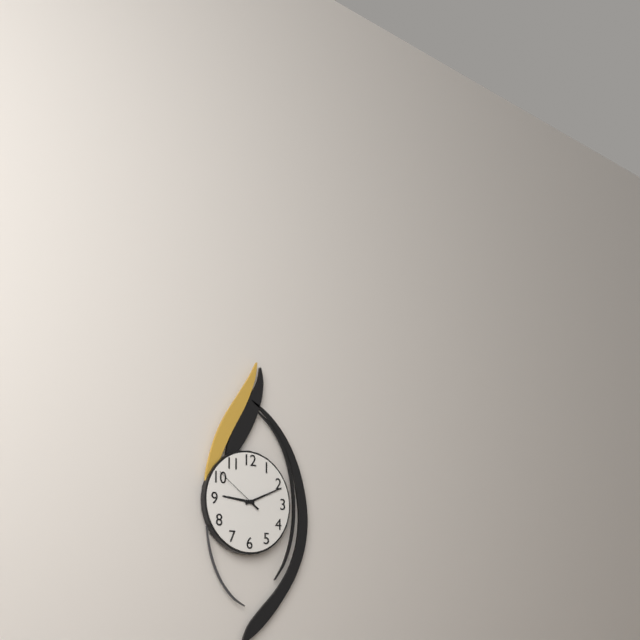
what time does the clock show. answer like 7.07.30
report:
9.11.51
